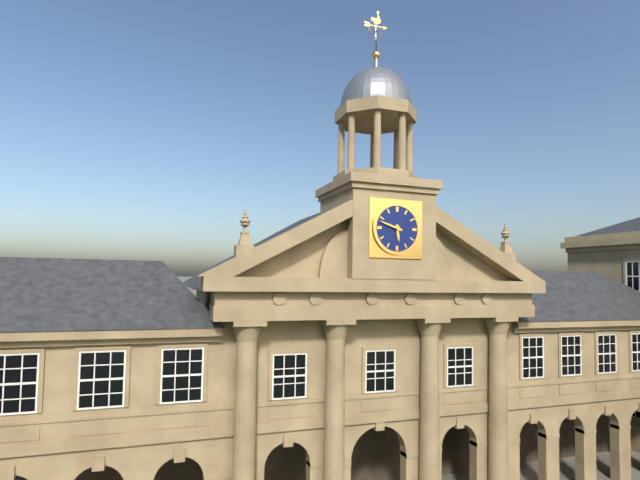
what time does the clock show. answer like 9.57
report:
5.48
